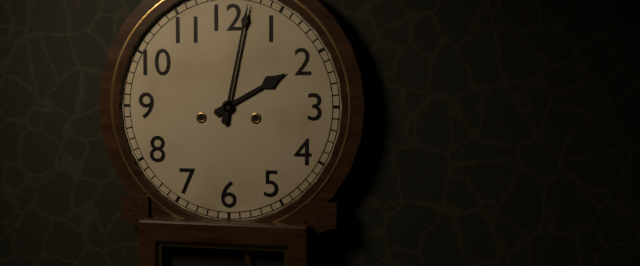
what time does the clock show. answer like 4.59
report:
2.02
